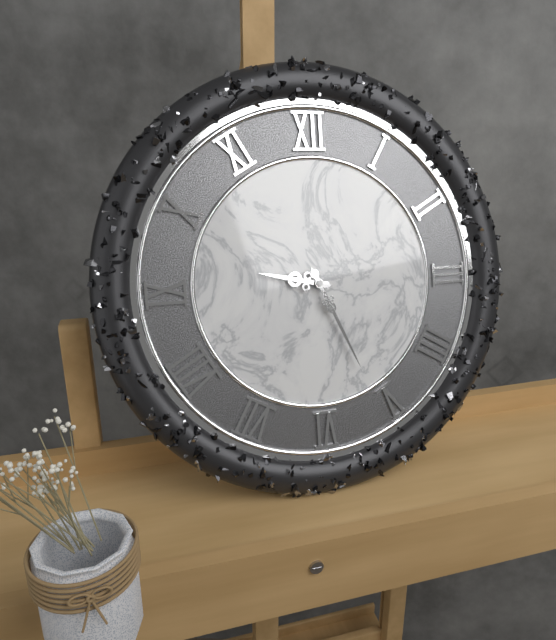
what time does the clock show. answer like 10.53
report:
9.26
